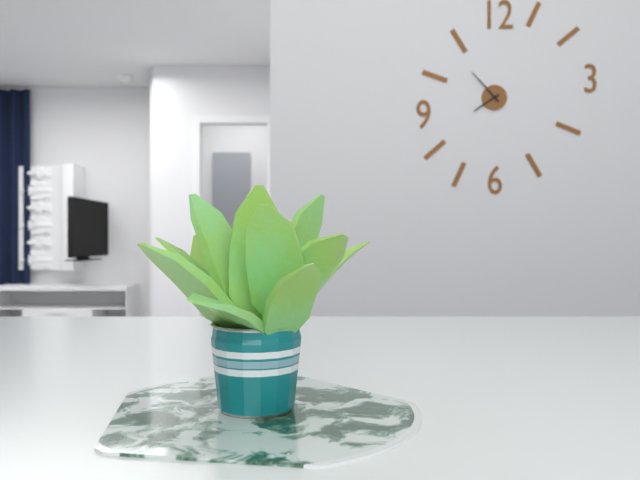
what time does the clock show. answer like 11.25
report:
7.53
